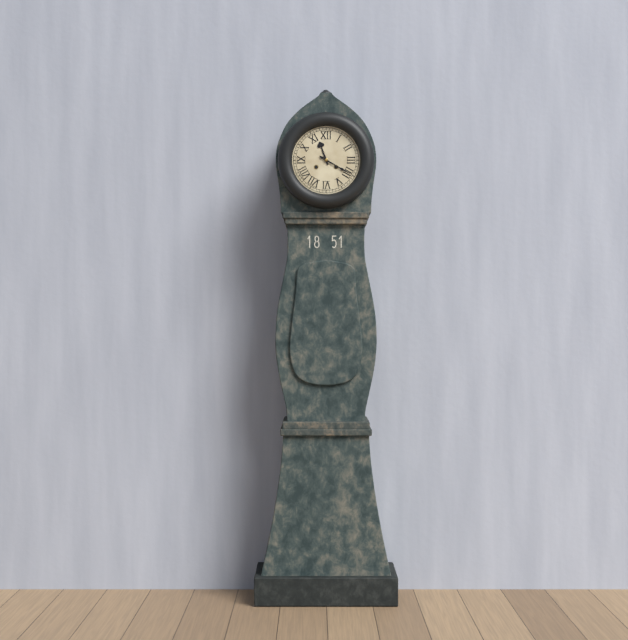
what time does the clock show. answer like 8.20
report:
11.20
